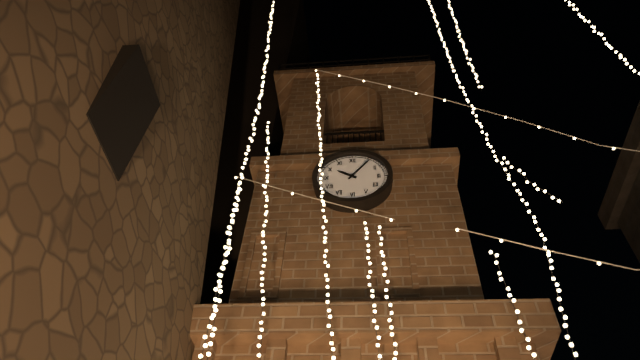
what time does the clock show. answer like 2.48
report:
10.06
